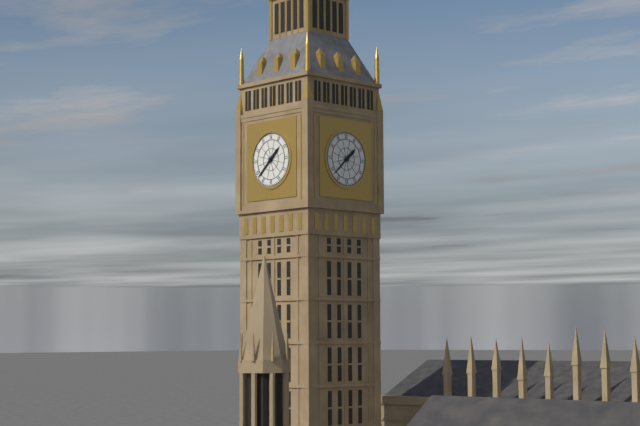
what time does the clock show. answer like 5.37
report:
1.38
